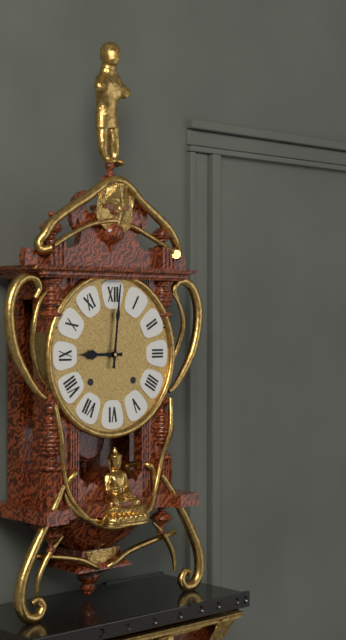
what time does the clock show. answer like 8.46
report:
9.01
